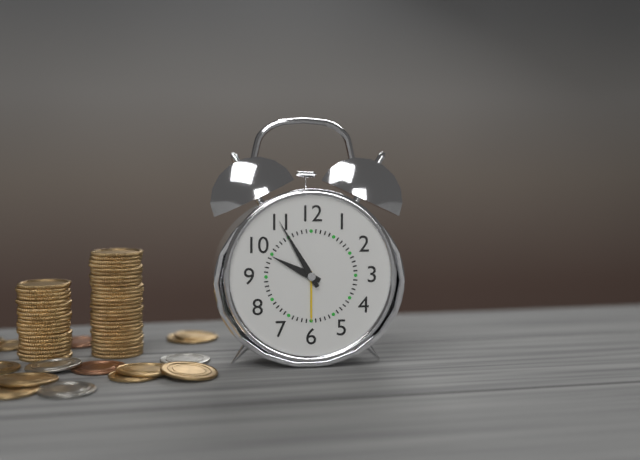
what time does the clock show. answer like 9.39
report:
9.55
